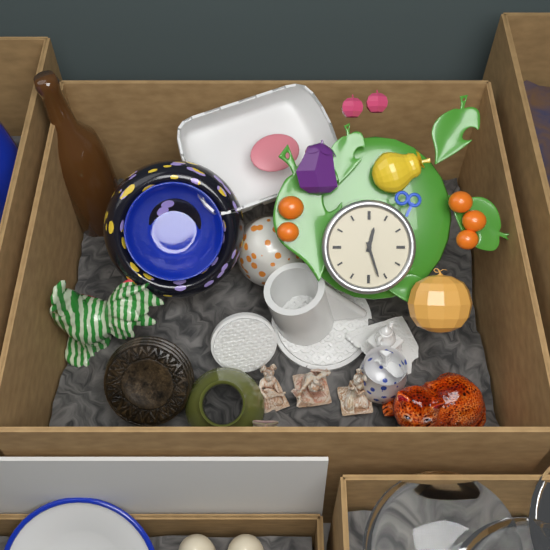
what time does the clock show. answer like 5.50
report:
12.27
